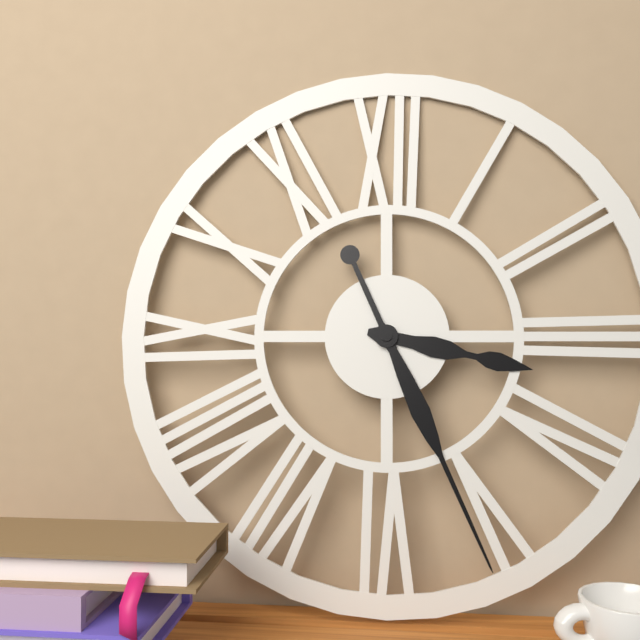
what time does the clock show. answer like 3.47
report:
3.26
